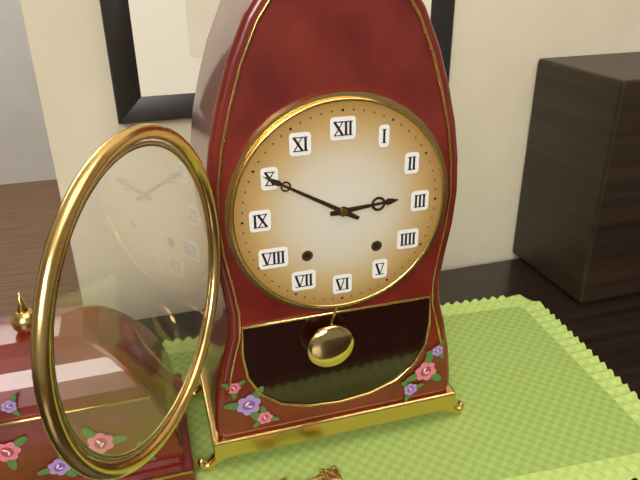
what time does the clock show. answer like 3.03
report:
2.50
